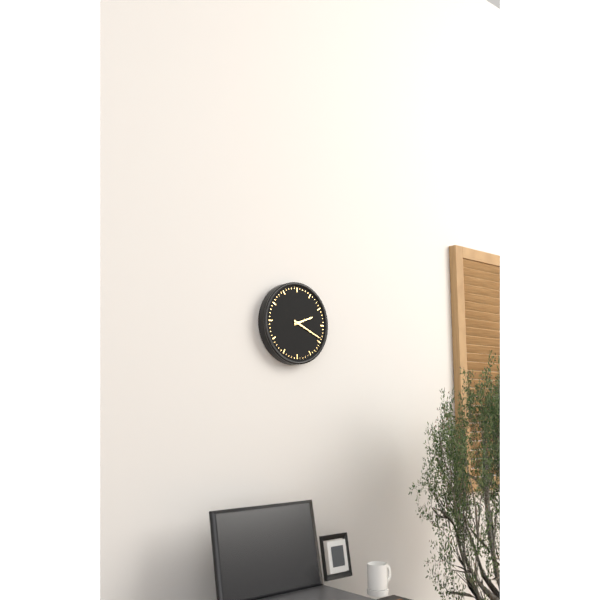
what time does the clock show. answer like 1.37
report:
2.19
